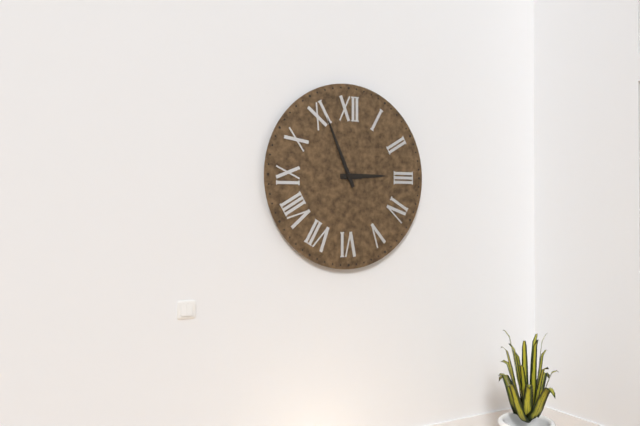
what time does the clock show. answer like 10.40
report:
2.56
